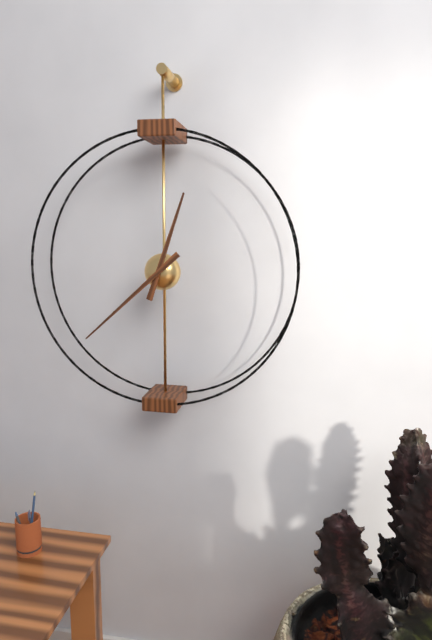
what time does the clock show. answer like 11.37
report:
12.38
